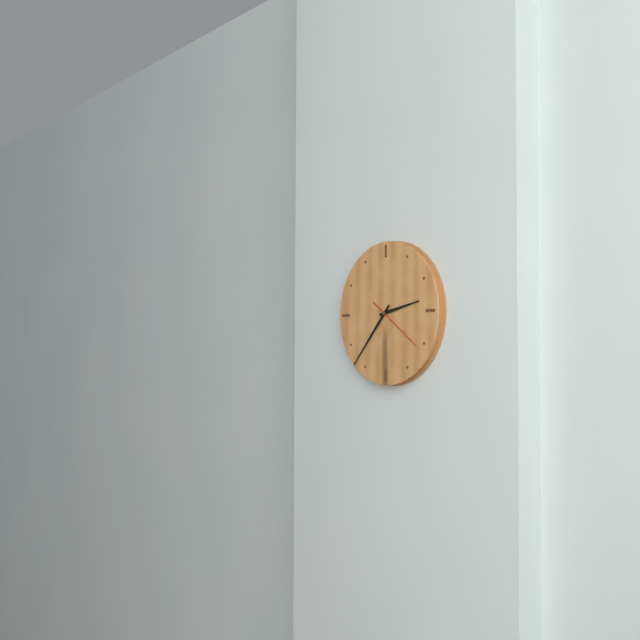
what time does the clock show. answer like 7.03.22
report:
2.37.21
